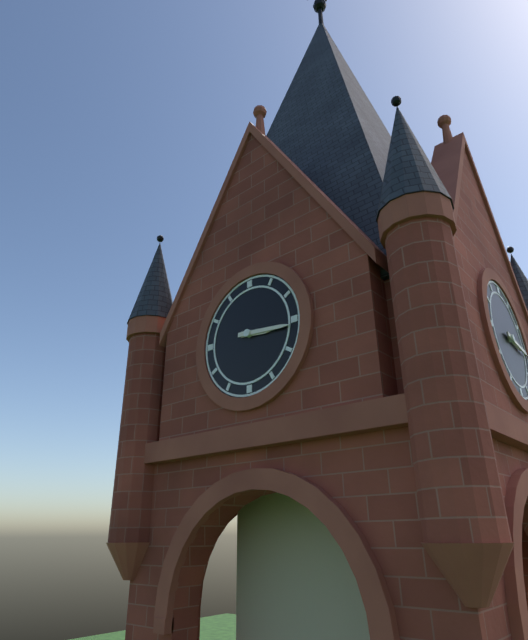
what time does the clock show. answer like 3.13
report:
3.16
